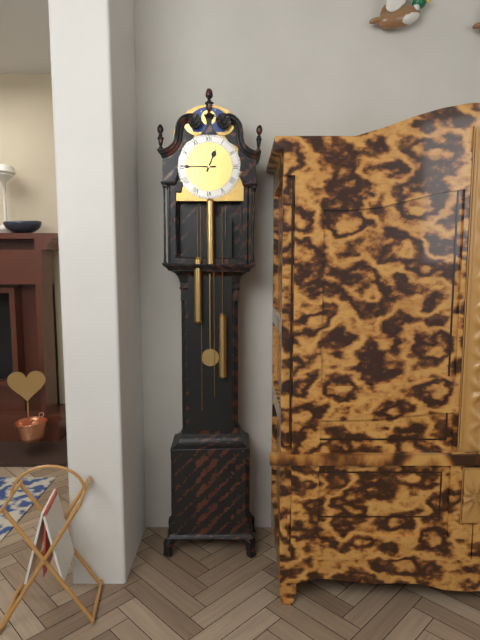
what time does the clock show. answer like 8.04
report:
12.45
